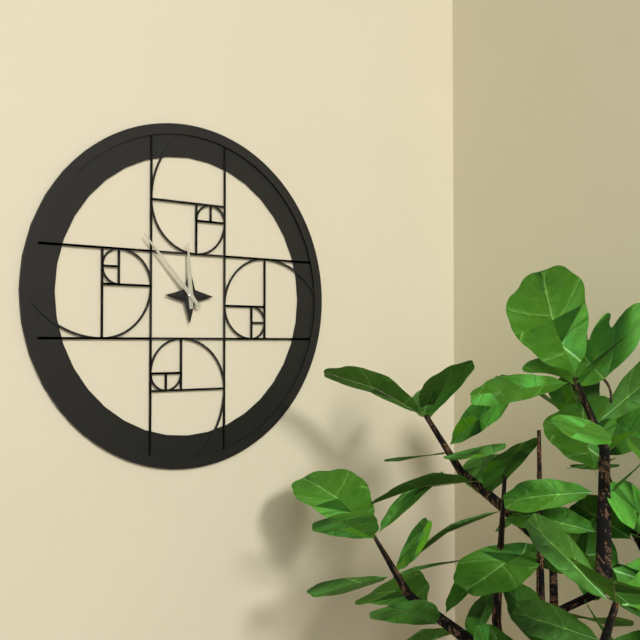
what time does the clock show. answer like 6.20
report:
11.53
